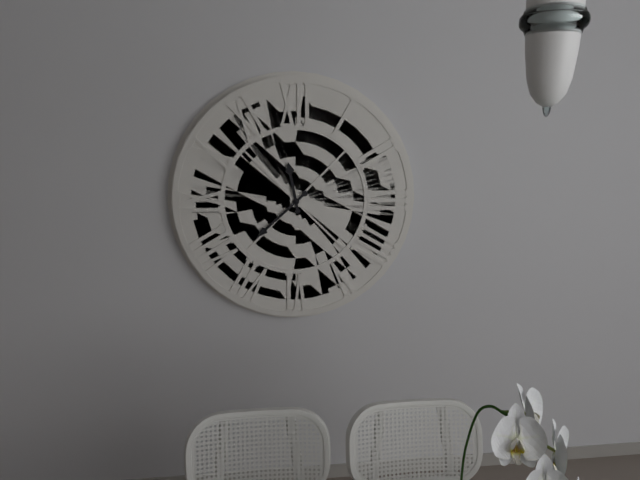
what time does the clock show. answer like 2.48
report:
11.38
